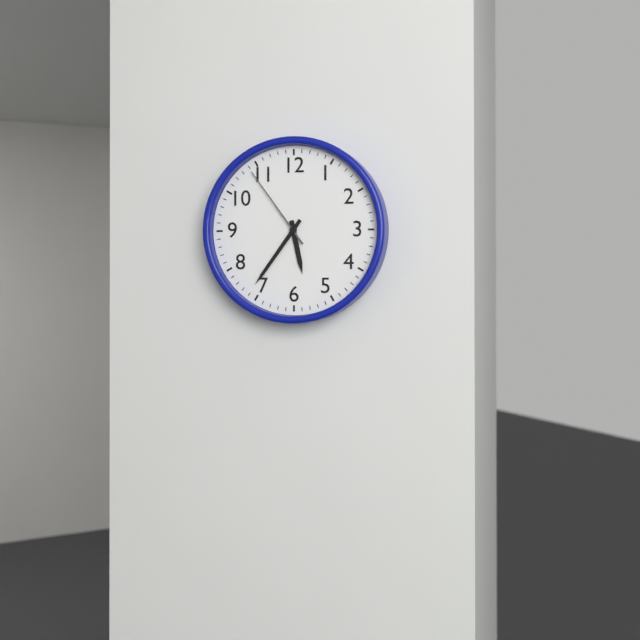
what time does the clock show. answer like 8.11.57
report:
5.36.54
